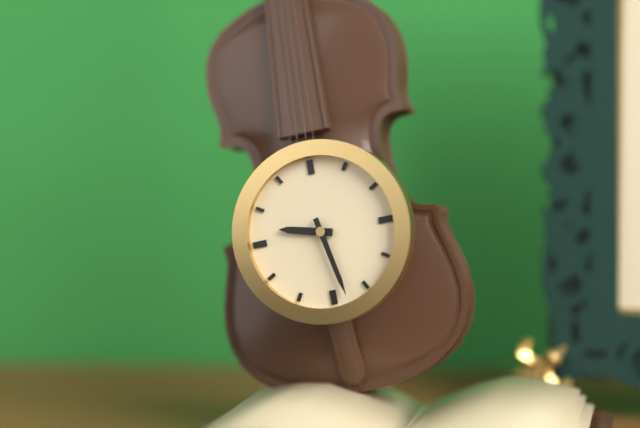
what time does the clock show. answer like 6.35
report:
9.28
